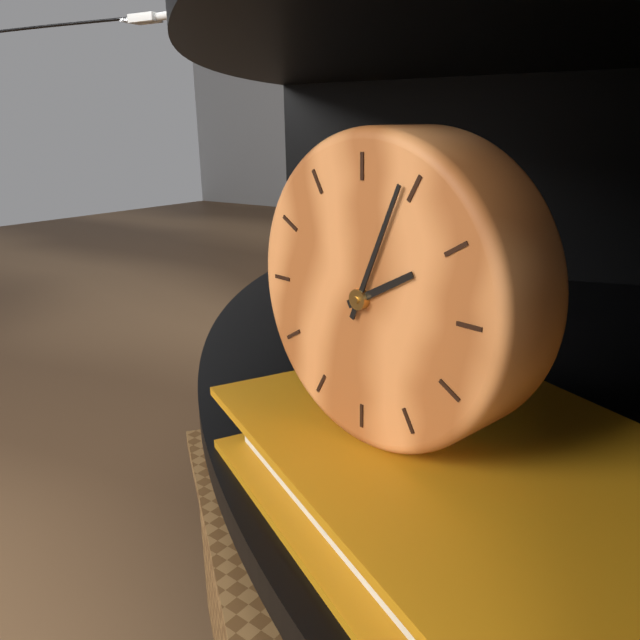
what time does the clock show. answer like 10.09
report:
2.04
